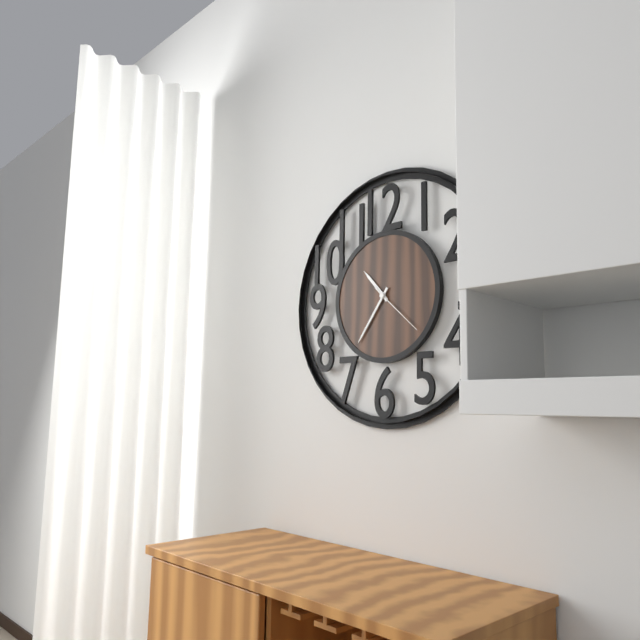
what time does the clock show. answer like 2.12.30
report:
10.36.22
